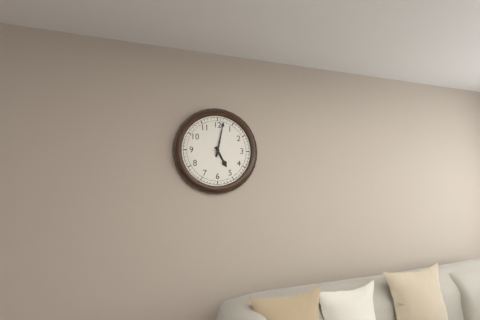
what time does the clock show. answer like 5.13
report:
5.02
